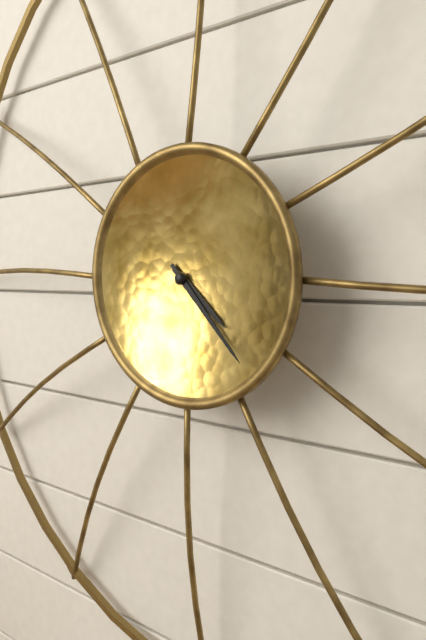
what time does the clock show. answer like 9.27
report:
4.23
